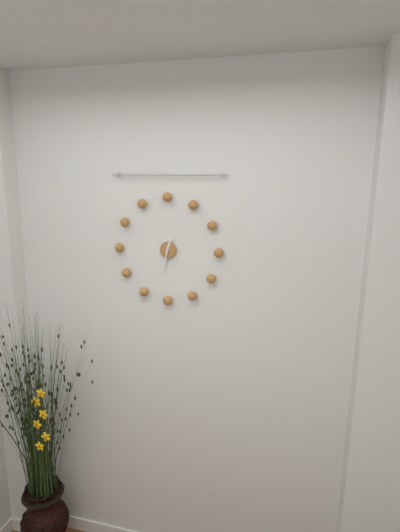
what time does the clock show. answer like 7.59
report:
12.32
